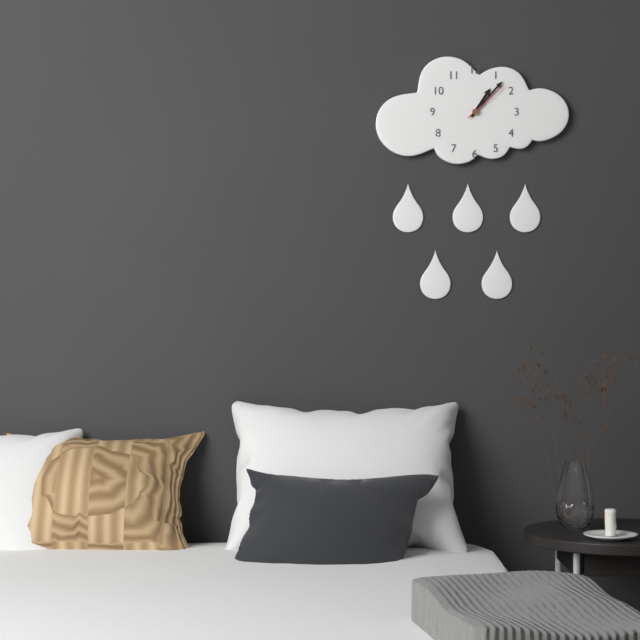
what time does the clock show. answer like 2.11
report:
1.07
